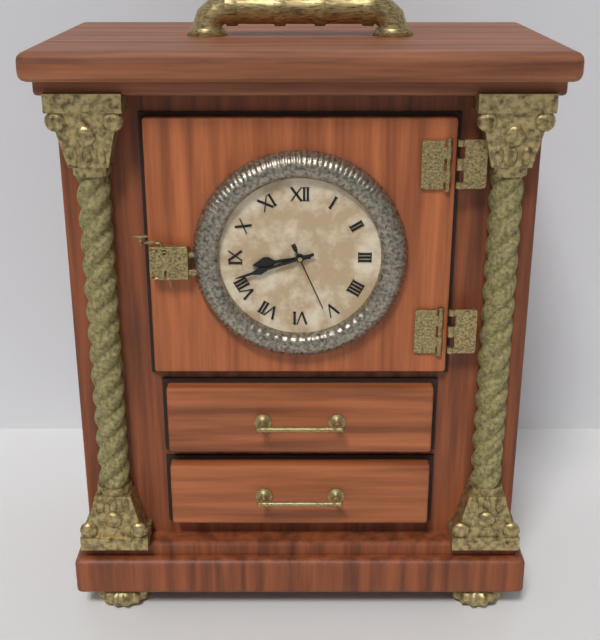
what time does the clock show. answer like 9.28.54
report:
8.42.26
